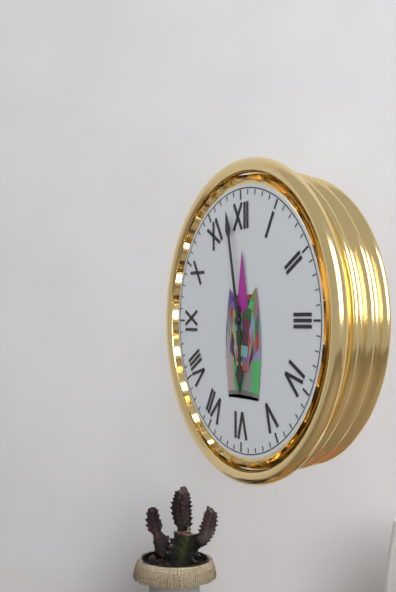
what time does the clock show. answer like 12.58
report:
5.58
